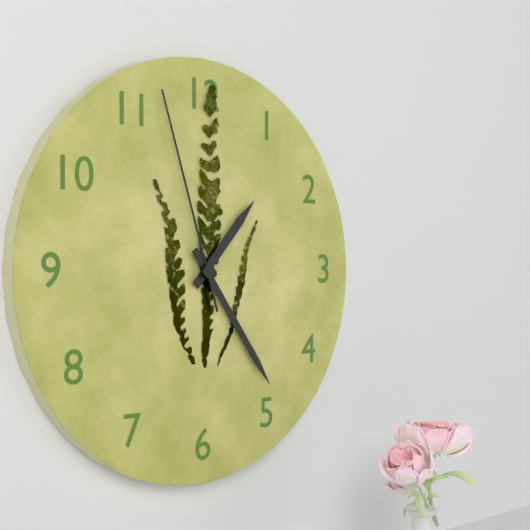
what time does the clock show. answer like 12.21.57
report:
1.24.57
